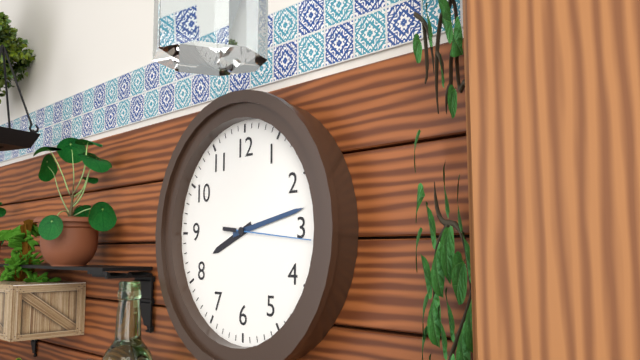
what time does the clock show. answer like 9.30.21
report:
8.13.16
